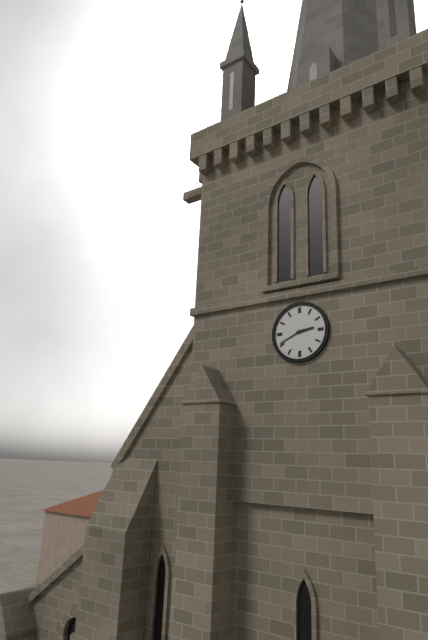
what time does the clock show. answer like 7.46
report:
2.41
